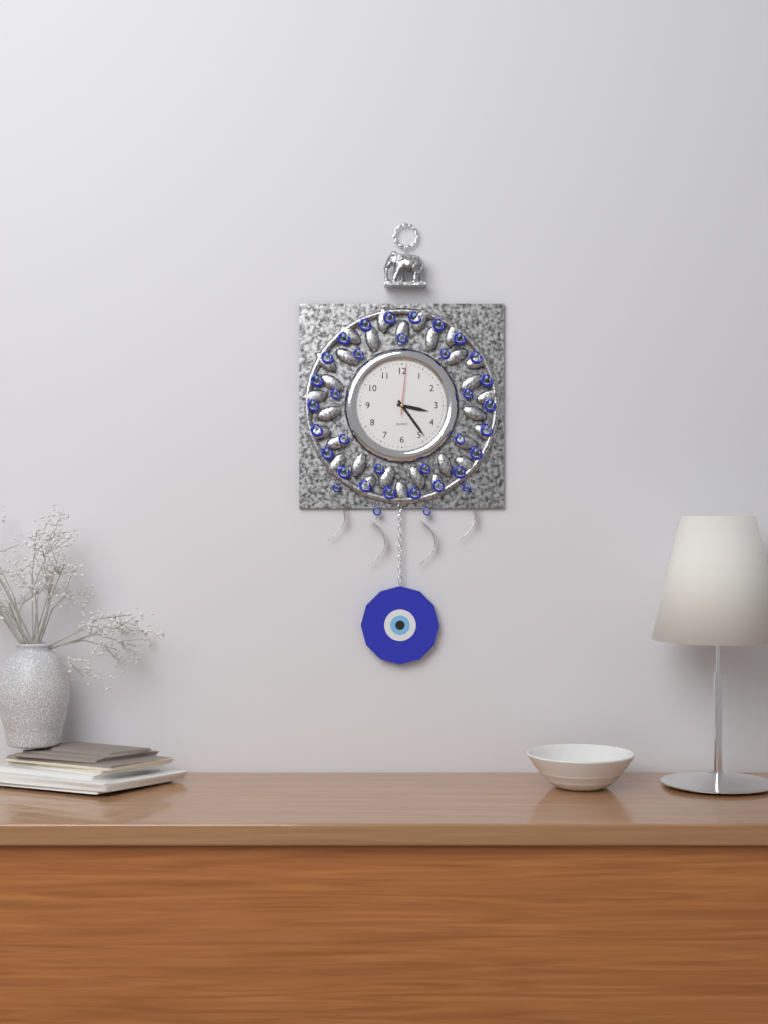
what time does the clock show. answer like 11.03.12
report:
3.24.01
